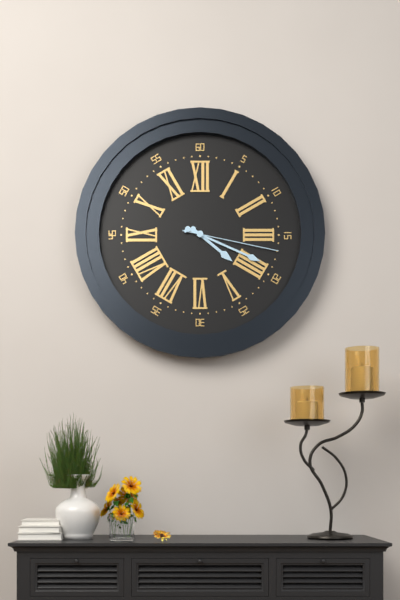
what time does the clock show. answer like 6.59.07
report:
4.19.17
